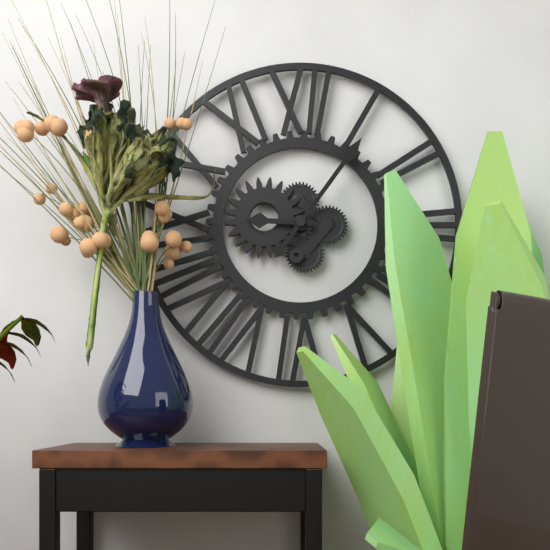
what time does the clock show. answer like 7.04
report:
9.06
